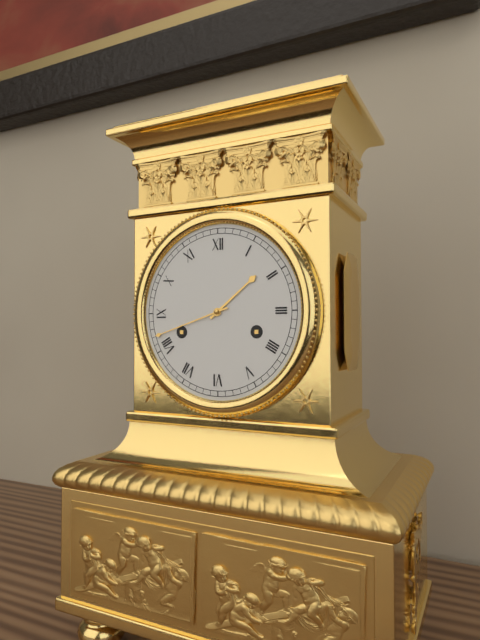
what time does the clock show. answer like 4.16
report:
1.42
